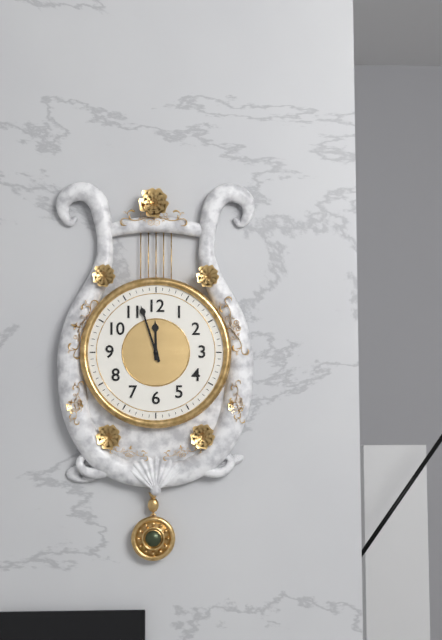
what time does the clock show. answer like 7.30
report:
11.57
